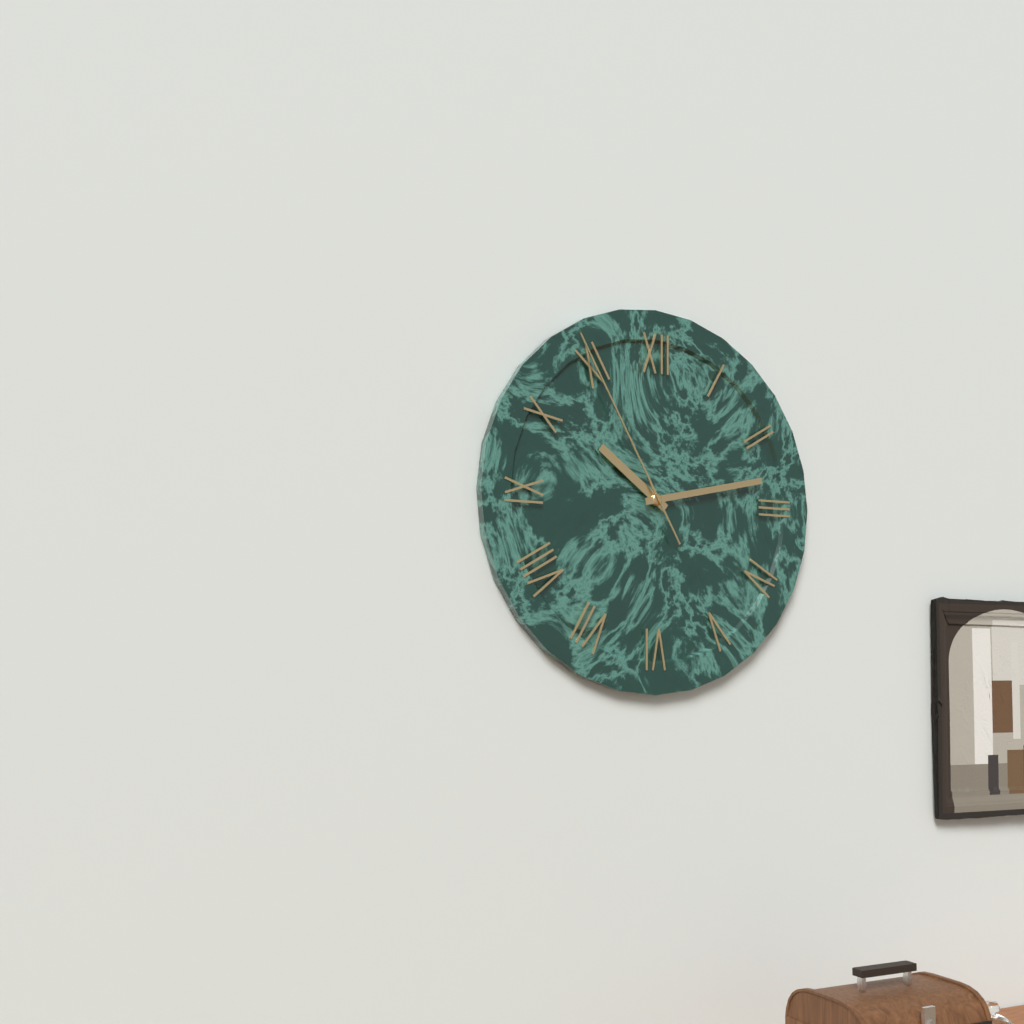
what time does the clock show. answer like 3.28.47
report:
10.13.55
